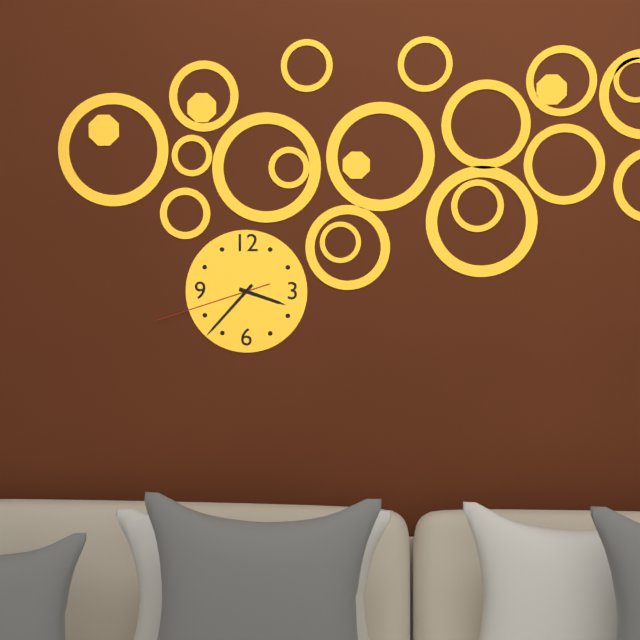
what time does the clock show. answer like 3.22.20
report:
3.37.42
